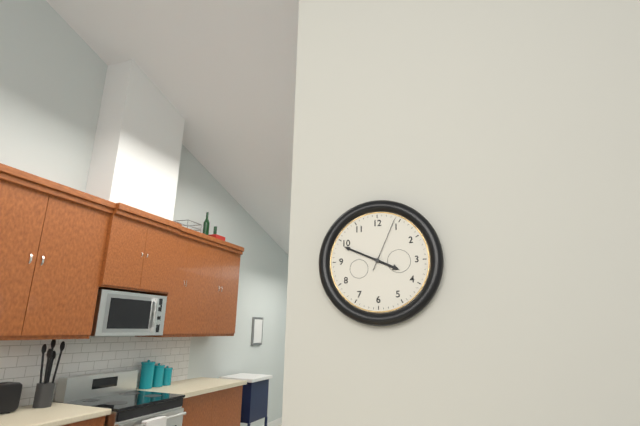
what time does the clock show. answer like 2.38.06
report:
3.49.04
